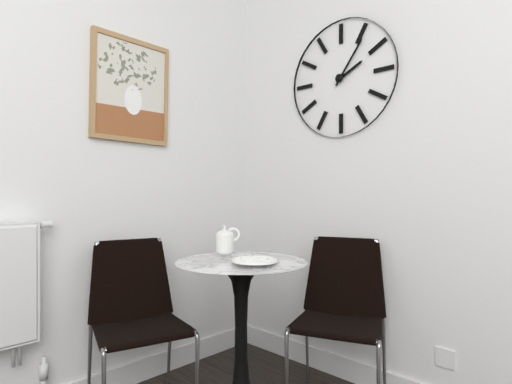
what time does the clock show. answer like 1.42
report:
2.06
